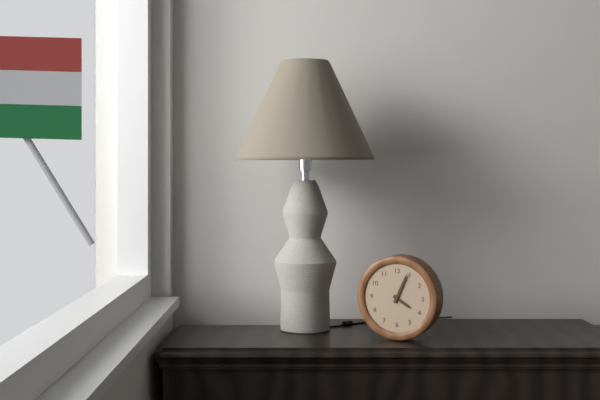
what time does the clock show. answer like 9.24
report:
4.04
